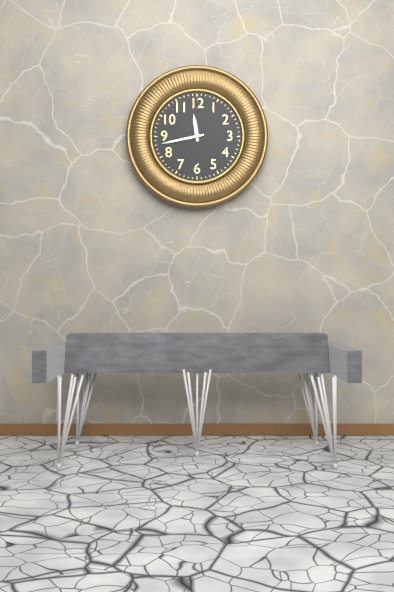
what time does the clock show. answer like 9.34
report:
11.43
